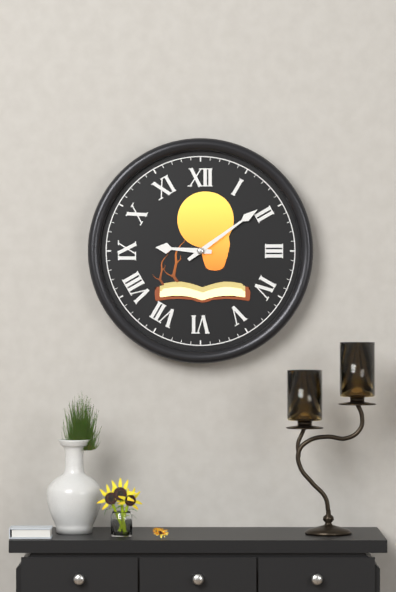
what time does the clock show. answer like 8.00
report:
9.09
